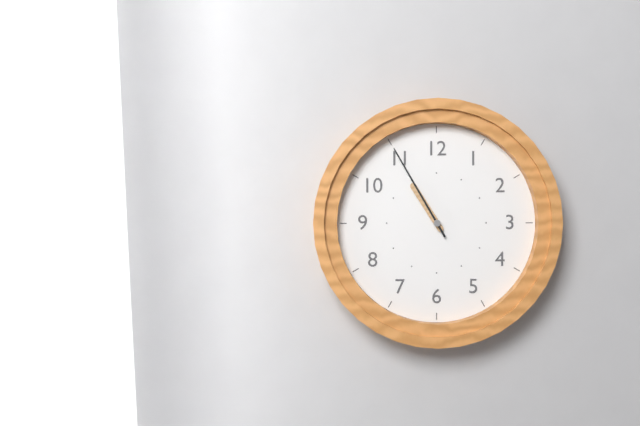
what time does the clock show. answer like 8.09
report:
10.55
